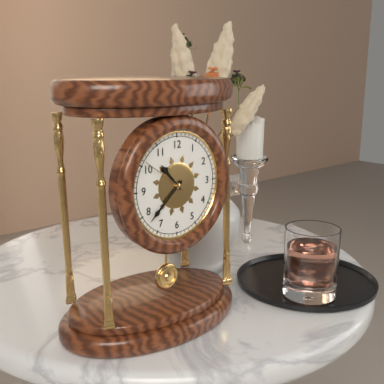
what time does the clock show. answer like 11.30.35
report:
10.38.51
